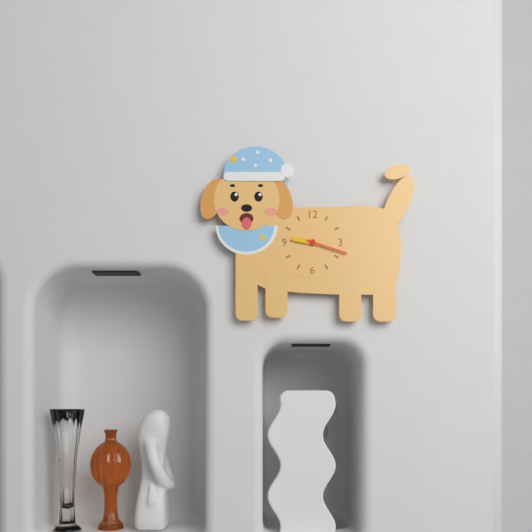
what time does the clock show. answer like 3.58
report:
9.18
